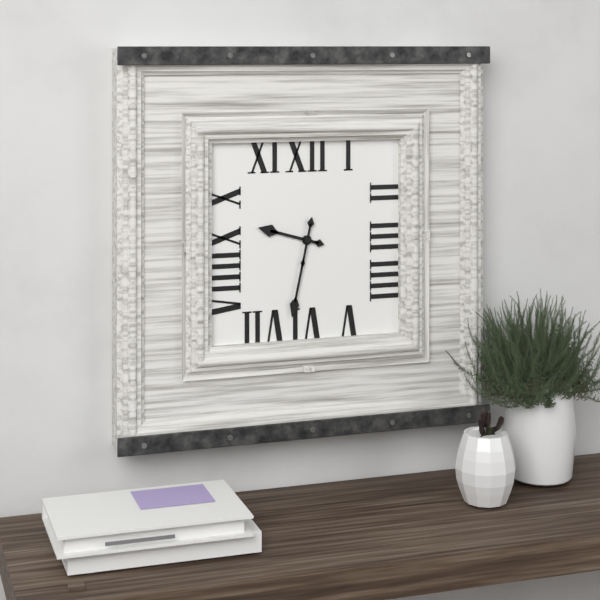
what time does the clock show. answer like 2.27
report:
9.32
